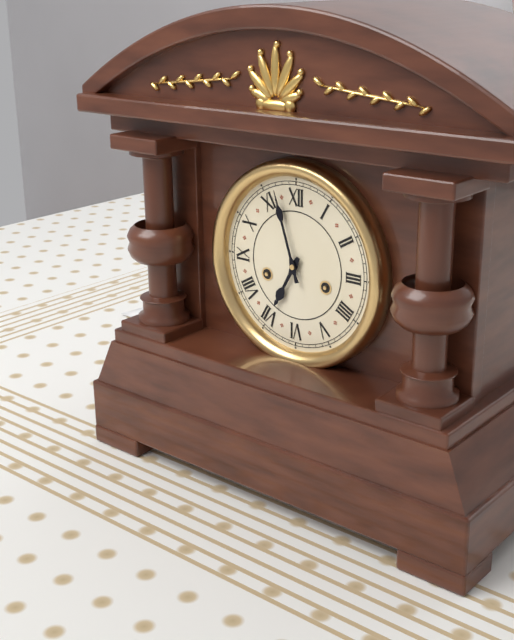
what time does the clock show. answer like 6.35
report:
6.57
